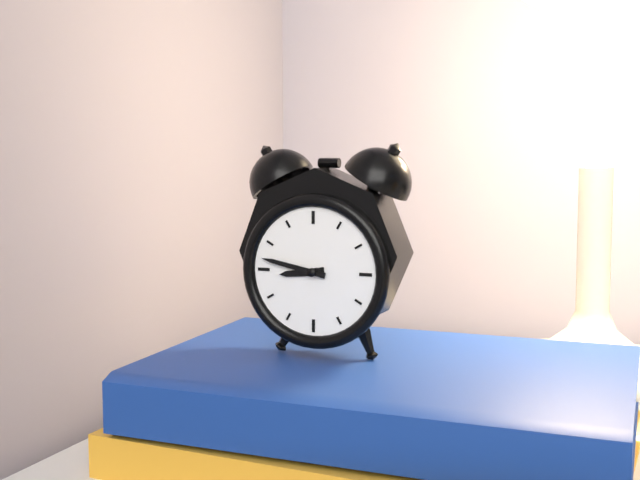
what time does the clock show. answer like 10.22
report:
8.47
